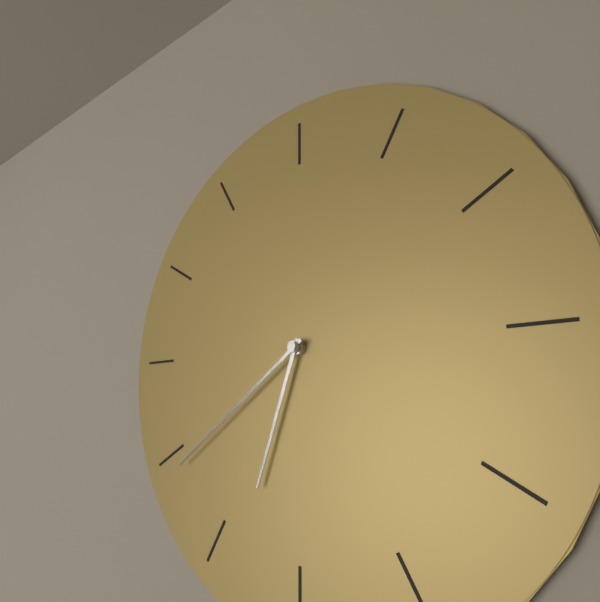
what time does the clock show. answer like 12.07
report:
6.39
